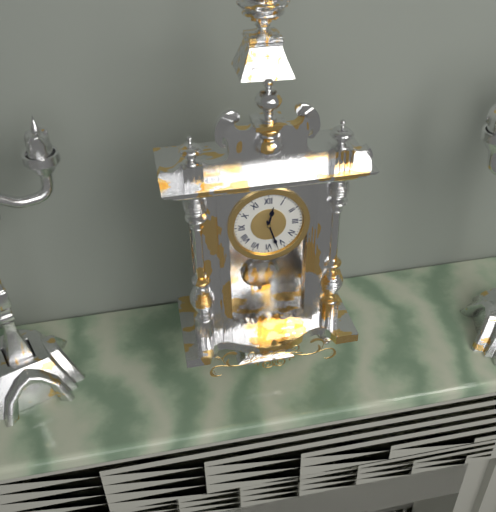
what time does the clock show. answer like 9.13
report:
12.27
